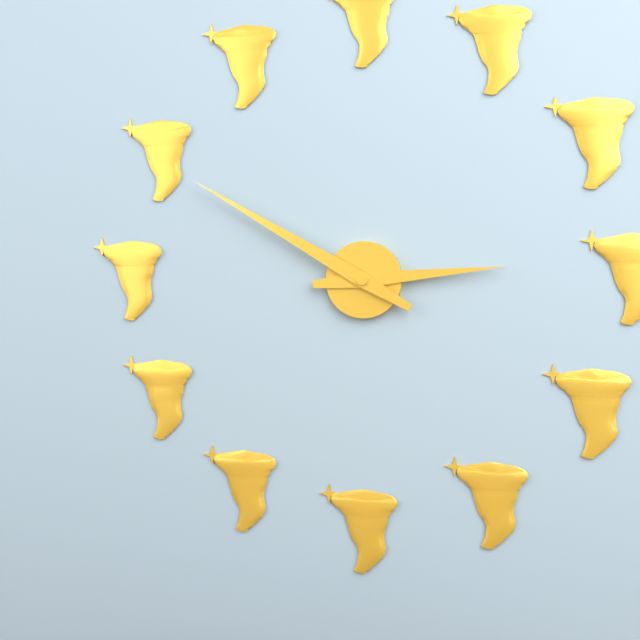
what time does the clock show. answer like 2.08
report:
2.50
